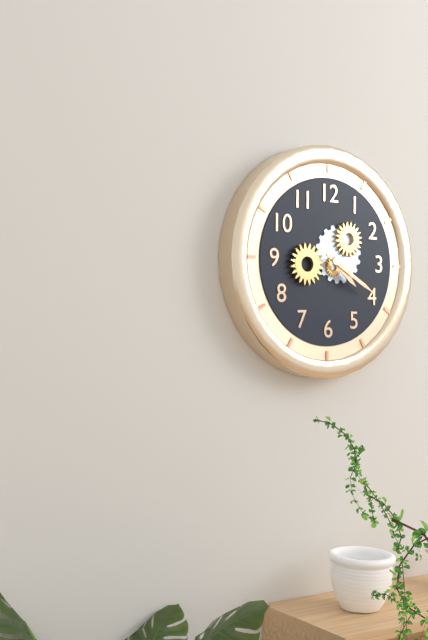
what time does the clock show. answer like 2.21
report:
4.20
